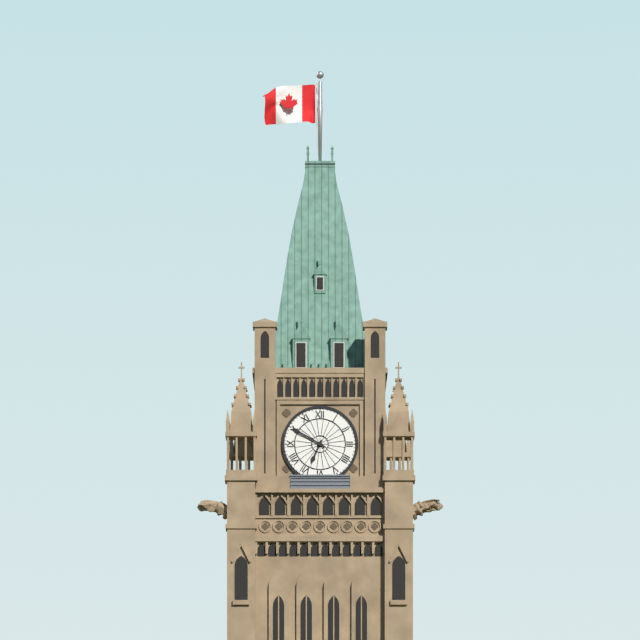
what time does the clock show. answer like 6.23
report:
6.50
